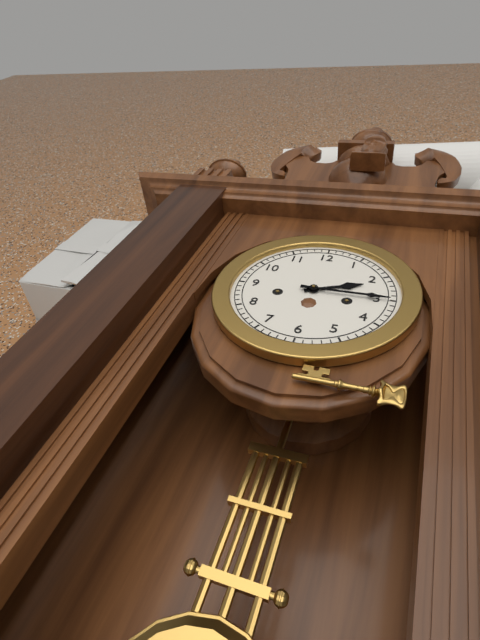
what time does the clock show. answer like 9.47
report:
2.15
